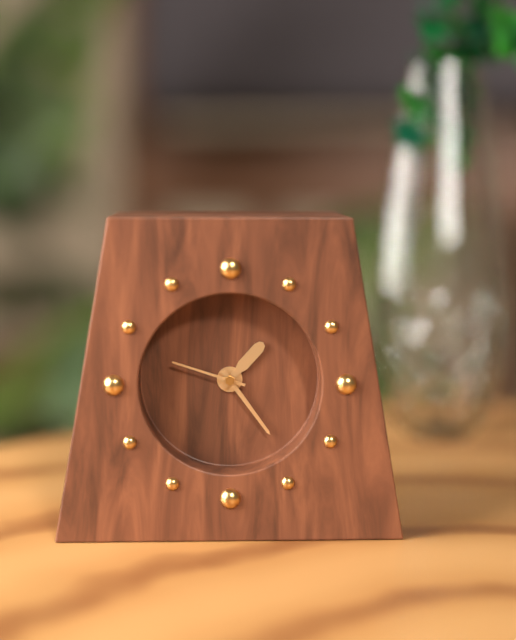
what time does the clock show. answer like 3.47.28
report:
1.24.48
